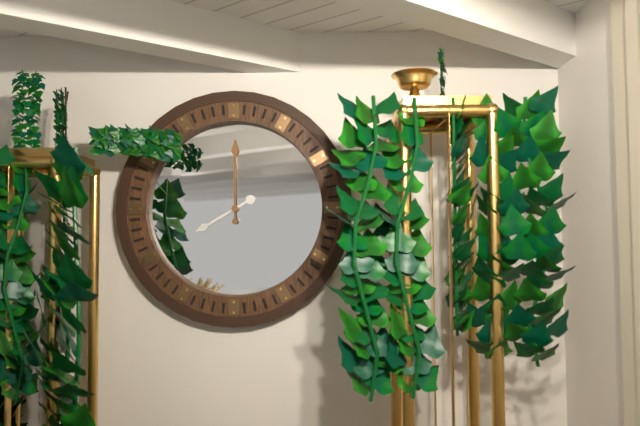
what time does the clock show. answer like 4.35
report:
8.00
